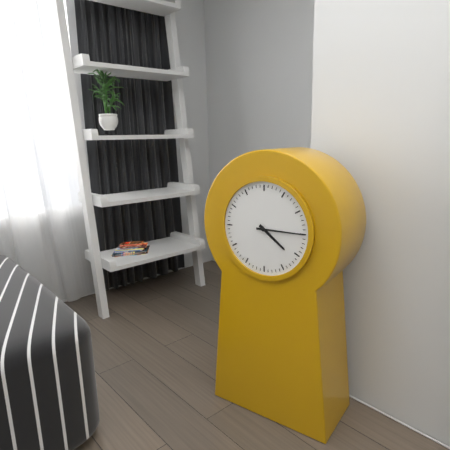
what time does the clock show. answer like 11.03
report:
4.15
